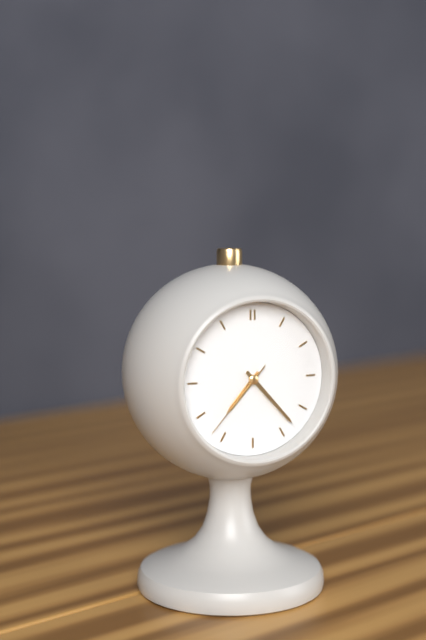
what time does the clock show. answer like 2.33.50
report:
7.23.37
